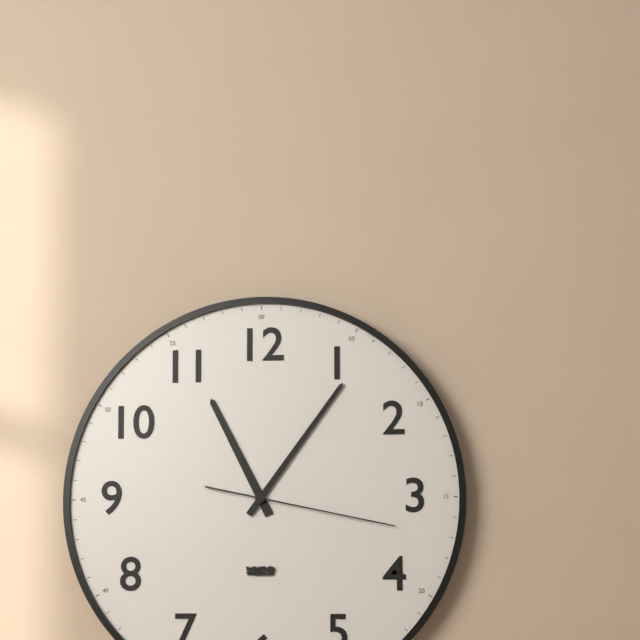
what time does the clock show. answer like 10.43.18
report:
11.06.17
